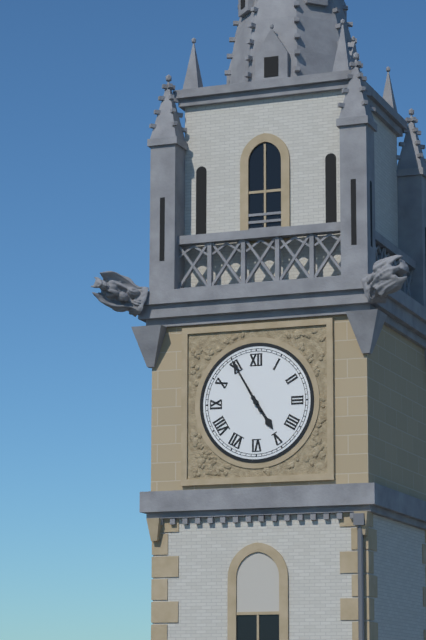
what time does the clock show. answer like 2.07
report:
4.55
